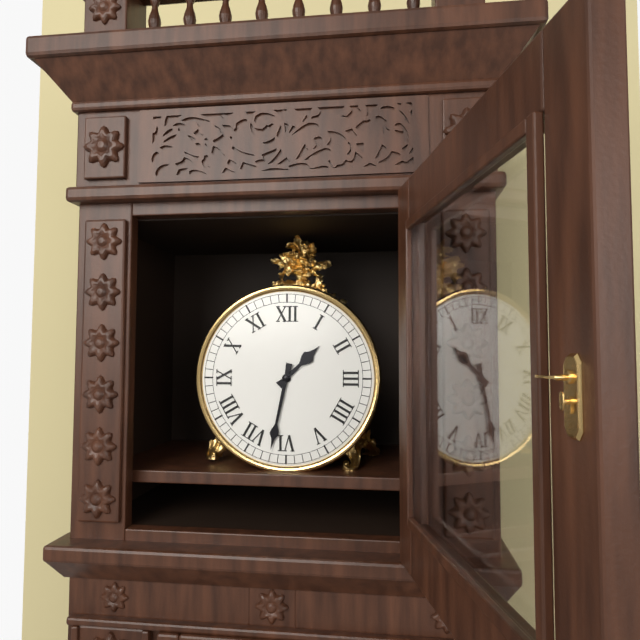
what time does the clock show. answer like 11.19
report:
1.32
